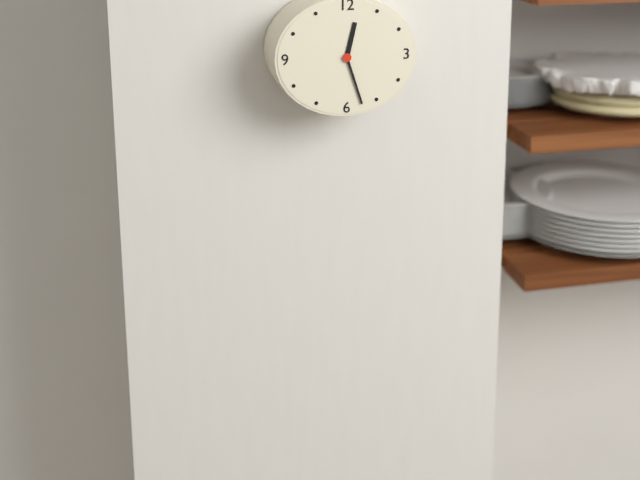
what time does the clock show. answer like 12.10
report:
12.27
